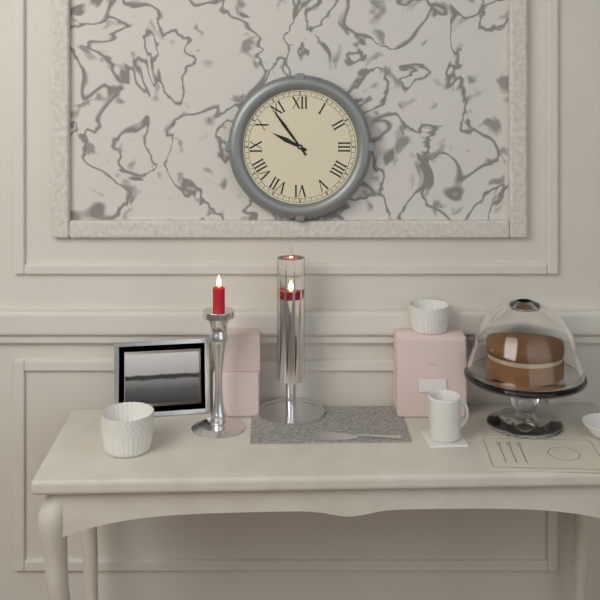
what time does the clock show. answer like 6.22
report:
9.54
